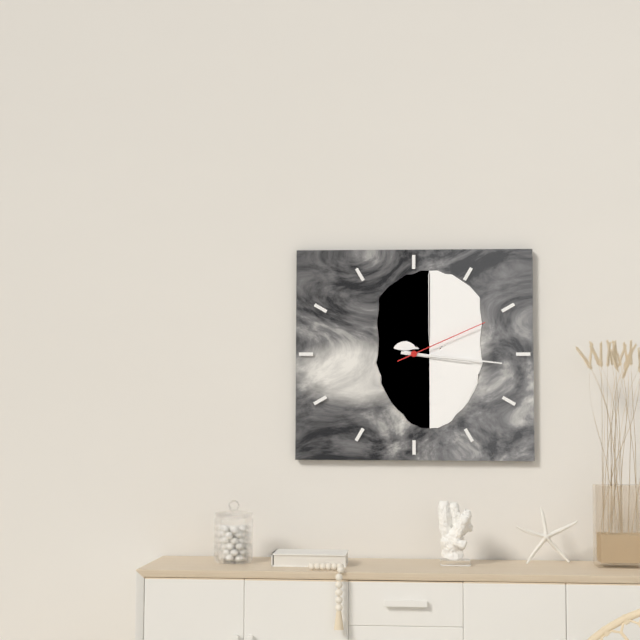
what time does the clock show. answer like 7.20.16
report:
3.16.11
